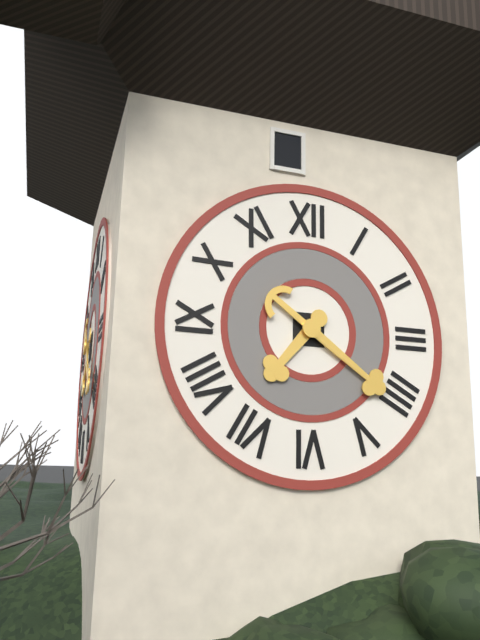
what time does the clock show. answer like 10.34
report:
7.21
